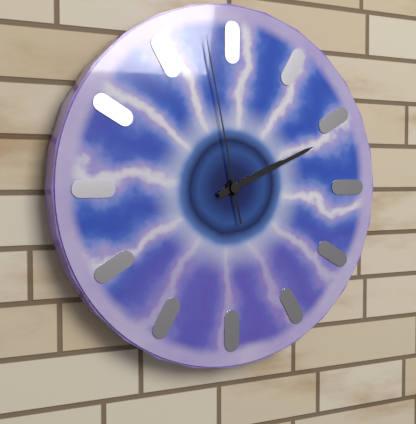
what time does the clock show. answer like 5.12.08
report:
2.11.58
